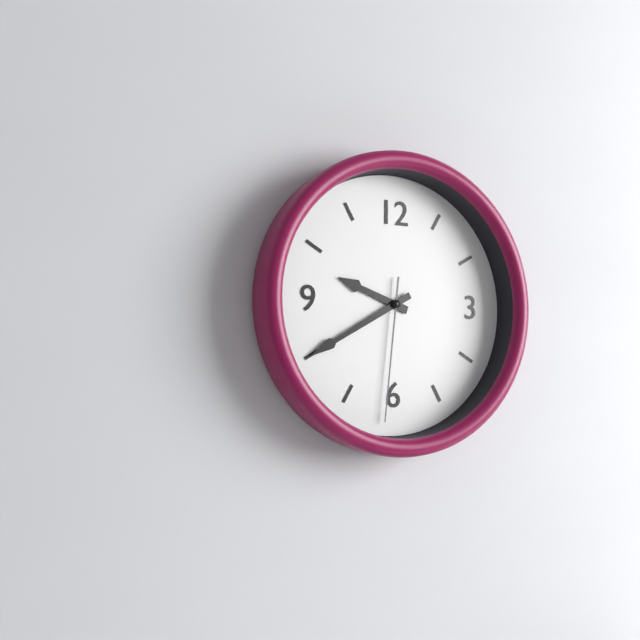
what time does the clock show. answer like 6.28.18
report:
9.40.31
